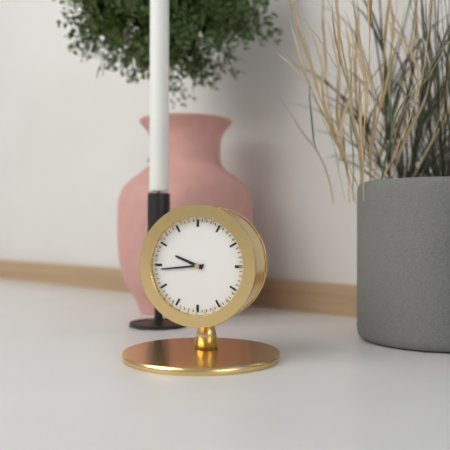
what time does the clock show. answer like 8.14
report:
9.44
